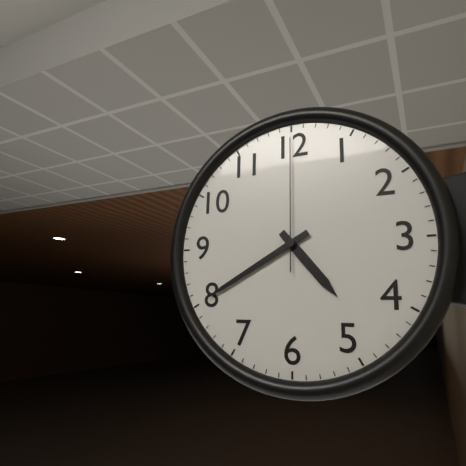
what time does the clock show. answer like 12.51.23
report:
4.40.00
